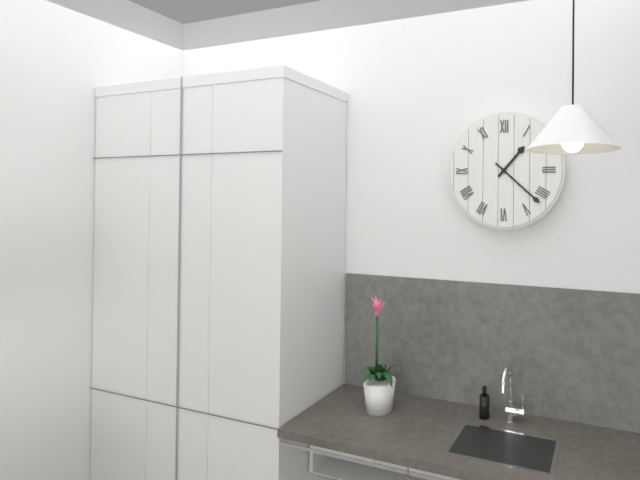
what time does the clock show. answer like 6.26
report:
1.22
